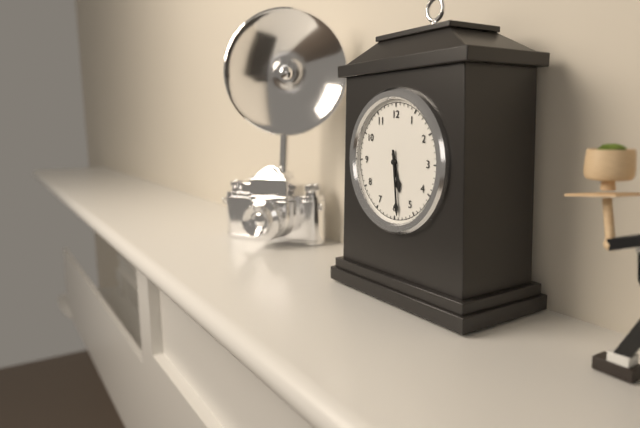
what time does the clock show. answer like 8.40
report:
5.29
